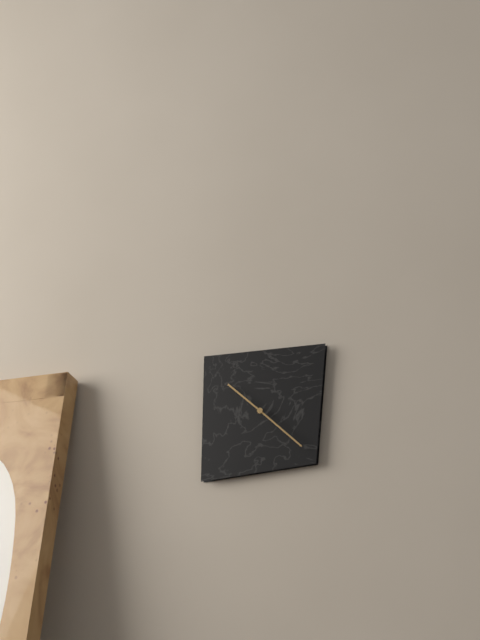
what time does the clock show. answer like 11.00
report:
10.22
